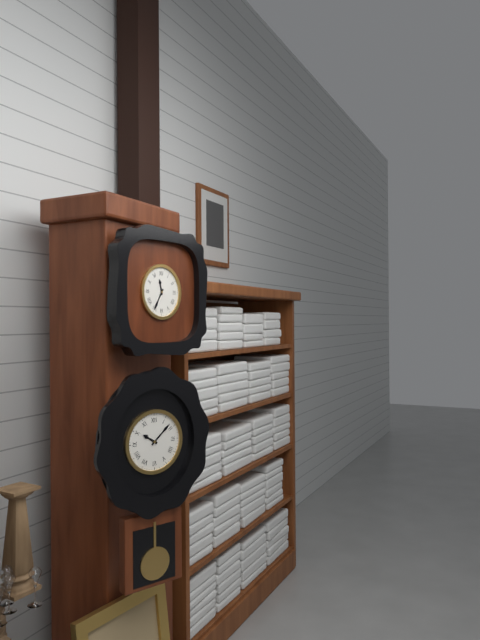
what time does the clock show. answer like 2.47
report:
11.35
